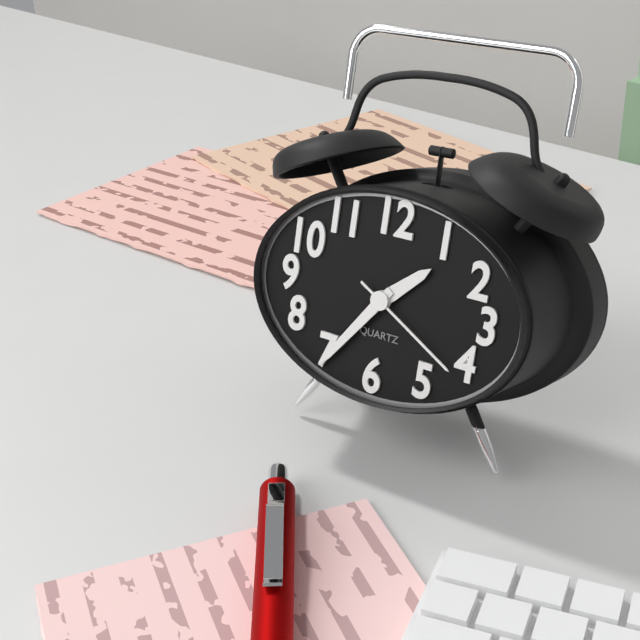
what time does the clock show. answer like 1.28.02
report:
1.36.20
